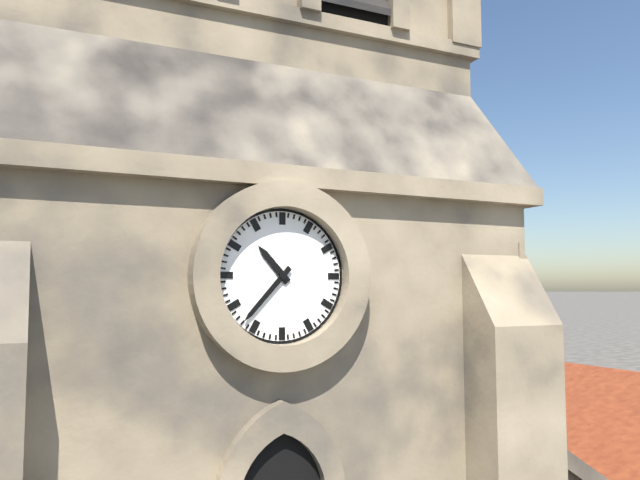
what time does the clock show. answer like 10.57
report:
10.37
